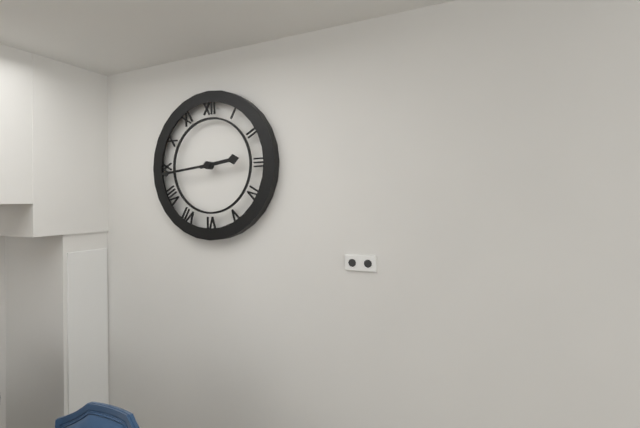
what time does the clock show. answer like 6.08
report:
2.44
